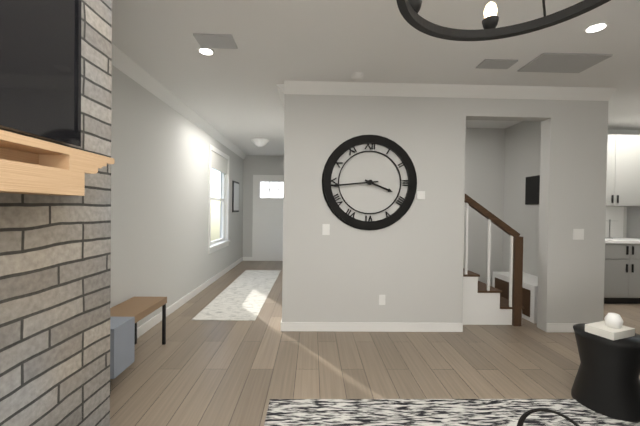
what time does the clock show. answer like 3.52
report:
3.44
